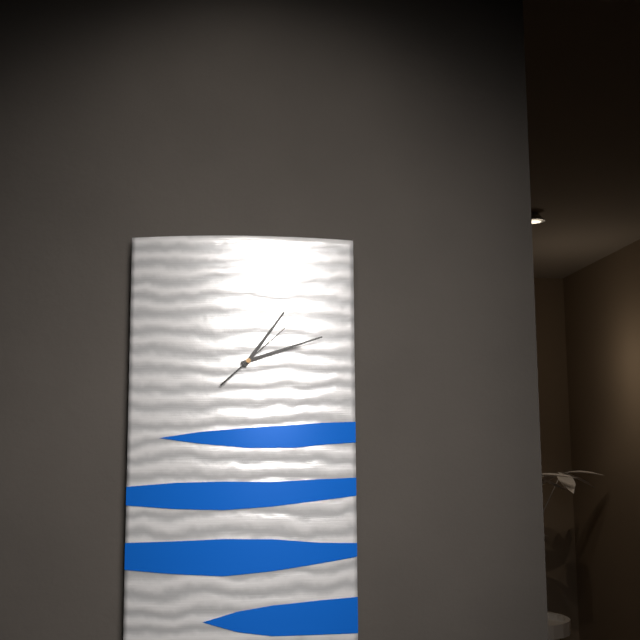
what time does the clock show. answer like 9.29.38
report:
1.12.08
